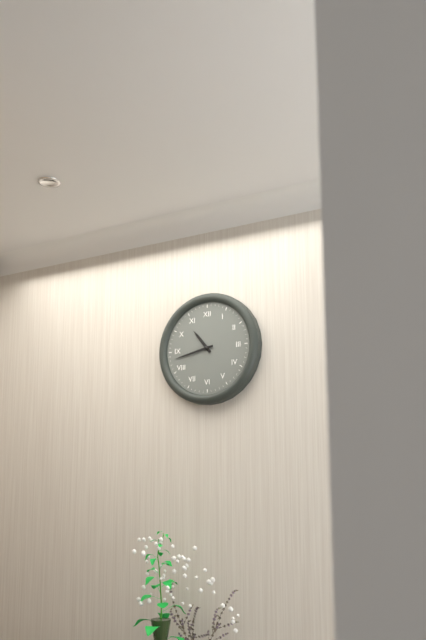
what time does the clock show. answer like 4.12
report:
10.43
